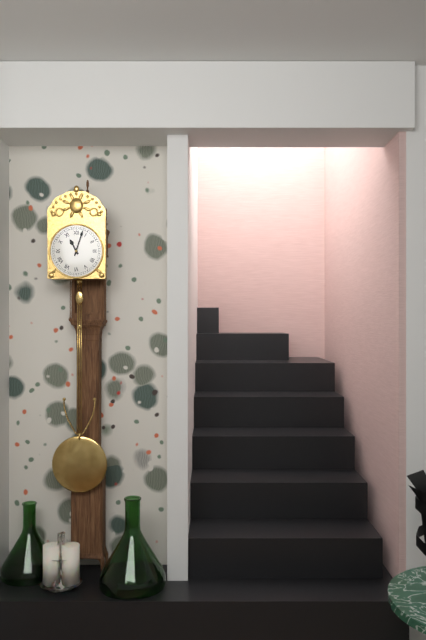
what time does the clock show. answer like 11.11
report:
11.03
